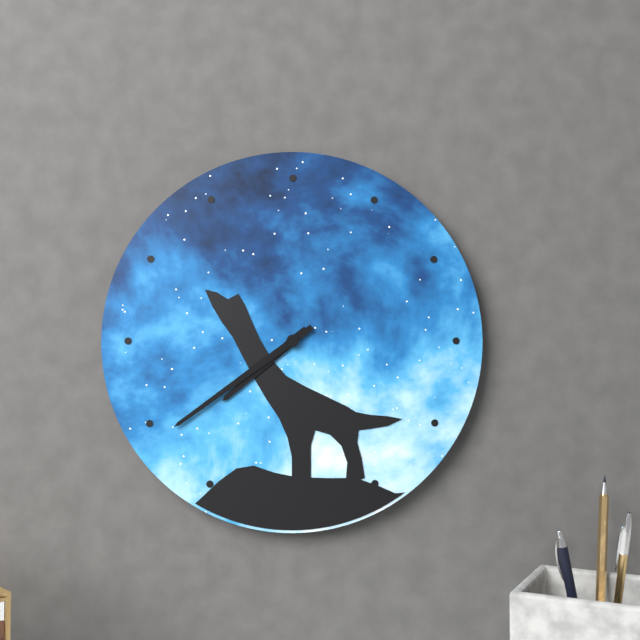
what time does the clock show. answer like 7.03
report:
7.39
